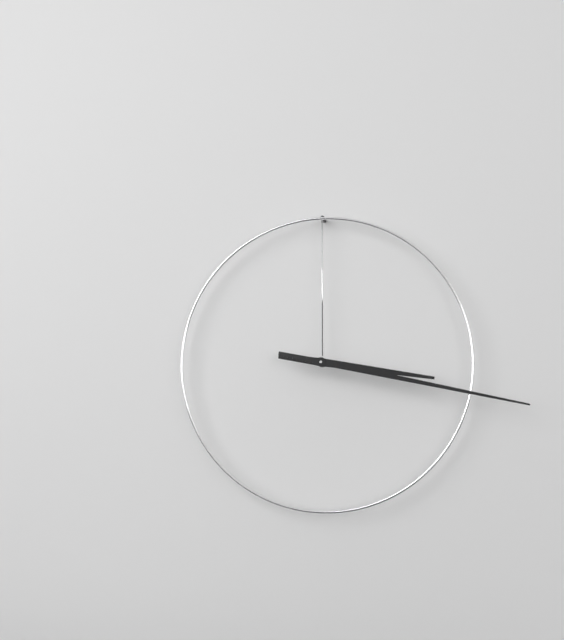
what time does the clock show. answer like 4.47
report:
3.17
